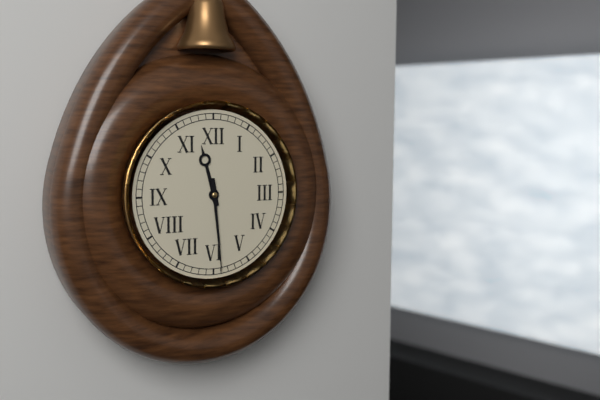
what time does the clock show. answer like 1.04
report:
11.29
